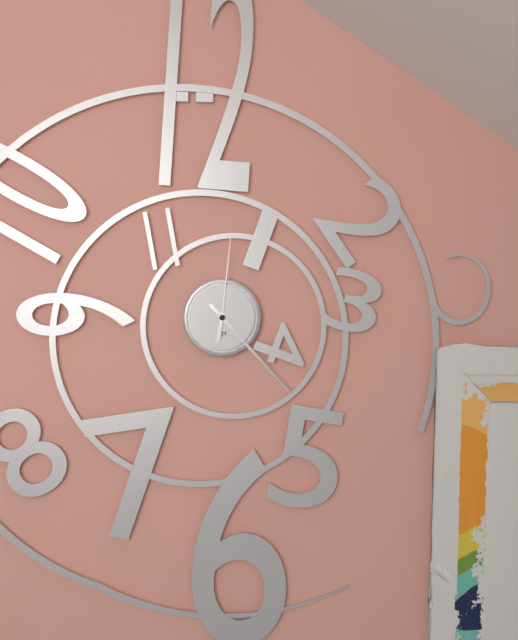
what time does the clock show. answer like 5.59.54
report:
6.23.01
